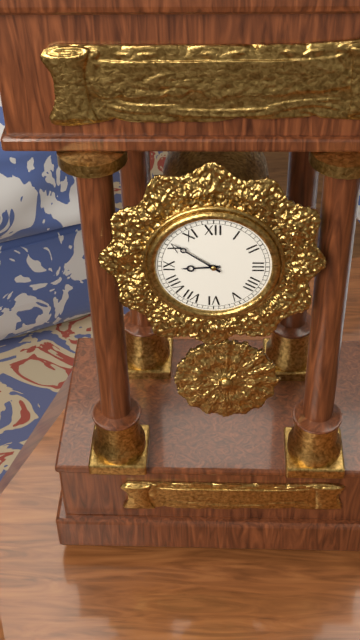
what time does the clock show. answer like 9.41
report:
8.51
